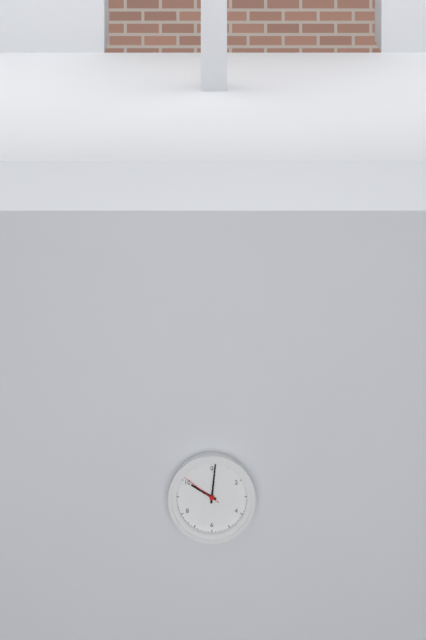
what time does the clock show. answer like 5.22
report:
10.01
